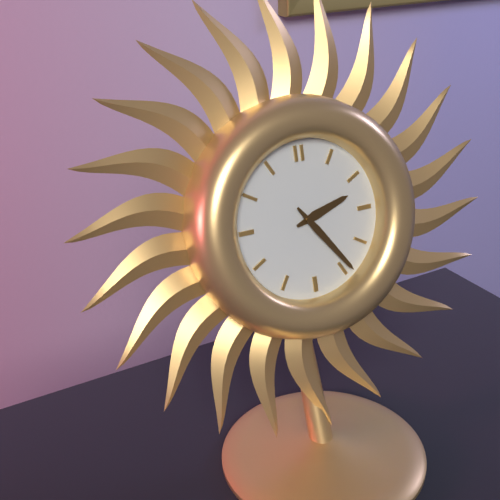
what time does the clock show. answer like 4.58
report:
2.24
